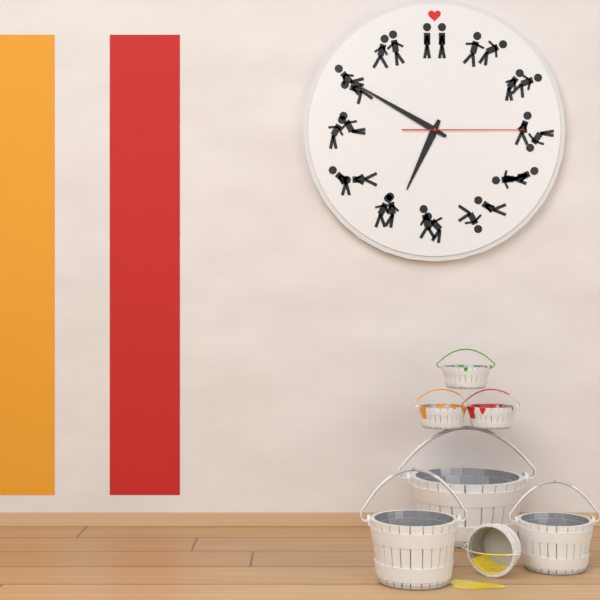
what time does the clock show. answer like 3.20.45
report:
6.50.15
